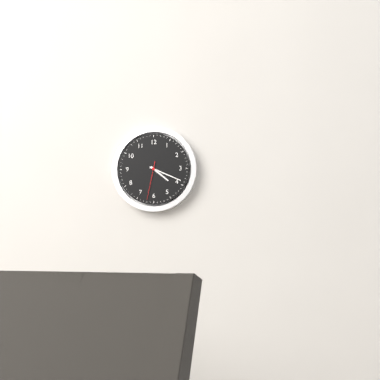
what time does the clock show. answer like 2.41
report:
4.19
